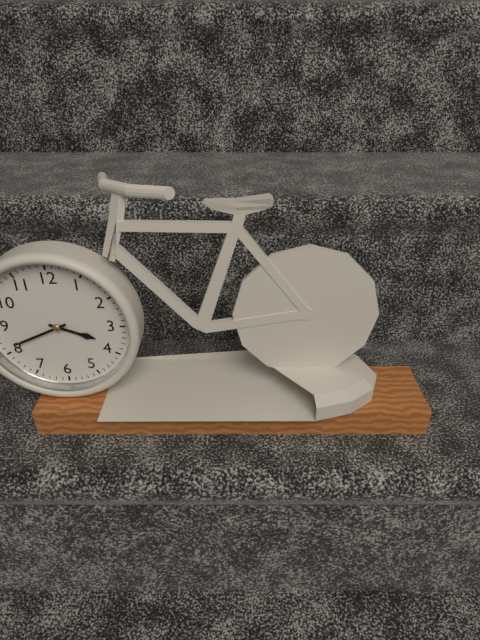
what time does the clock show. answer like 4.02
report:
3.41
